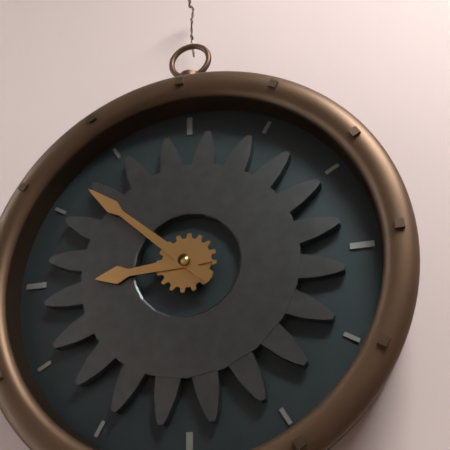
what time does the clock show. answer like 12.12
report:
8.52
